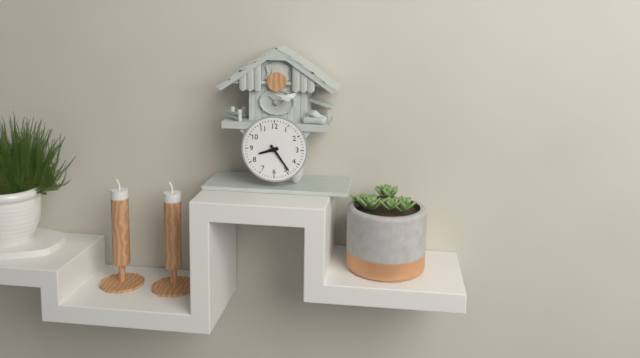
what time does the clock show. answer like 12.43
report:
8.24
